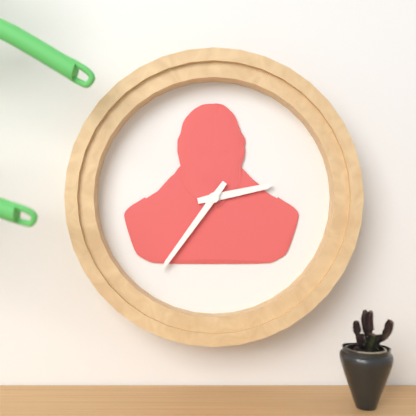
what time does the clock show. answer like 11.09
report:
2.36
